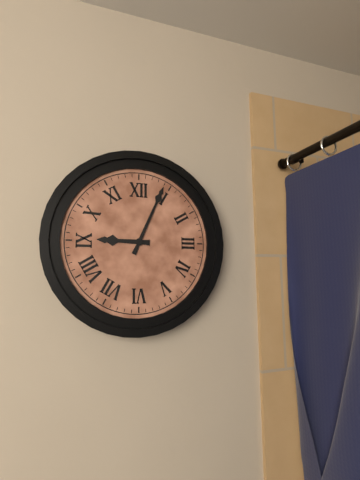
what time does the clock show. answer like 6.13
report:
9.04
